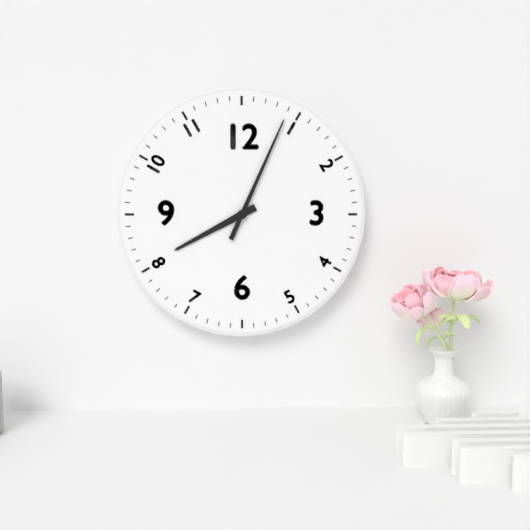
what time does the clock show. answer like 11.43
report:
8.04
